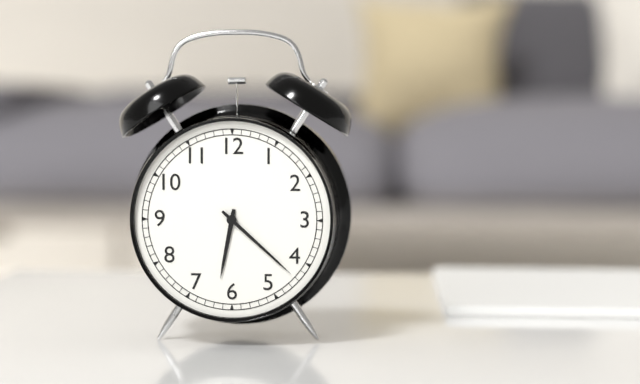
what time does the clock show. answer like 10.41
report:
6.22
